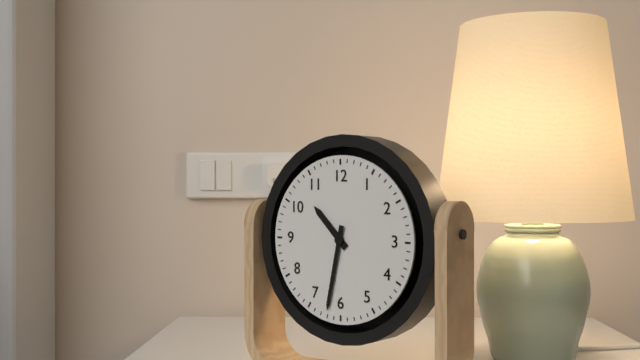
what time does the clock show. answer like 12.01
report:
10.32
